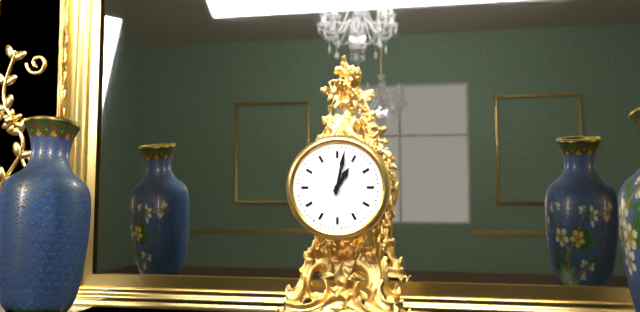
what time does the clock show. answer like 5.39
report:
1.02
